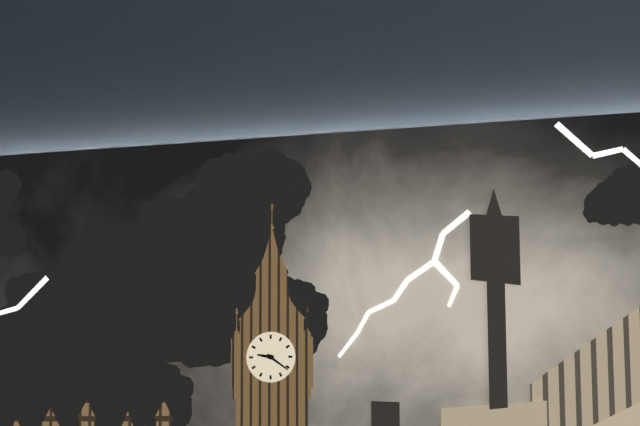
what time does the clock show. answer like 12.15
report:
9.21
